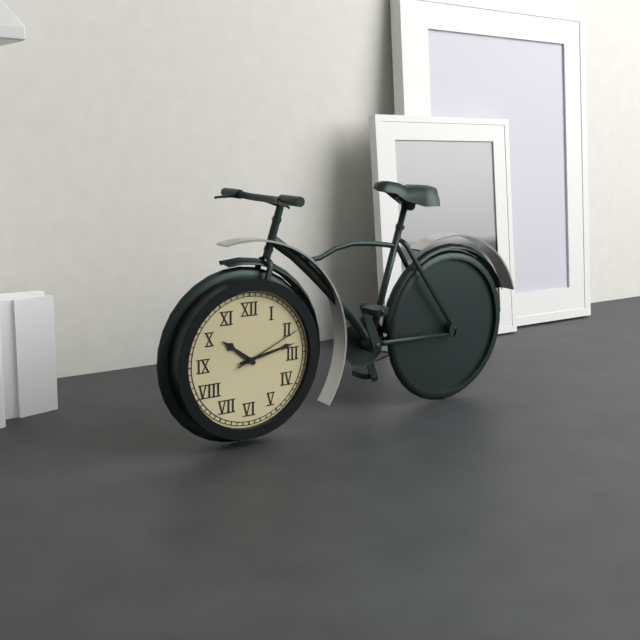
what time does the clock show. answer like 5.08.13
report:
10.13.11
